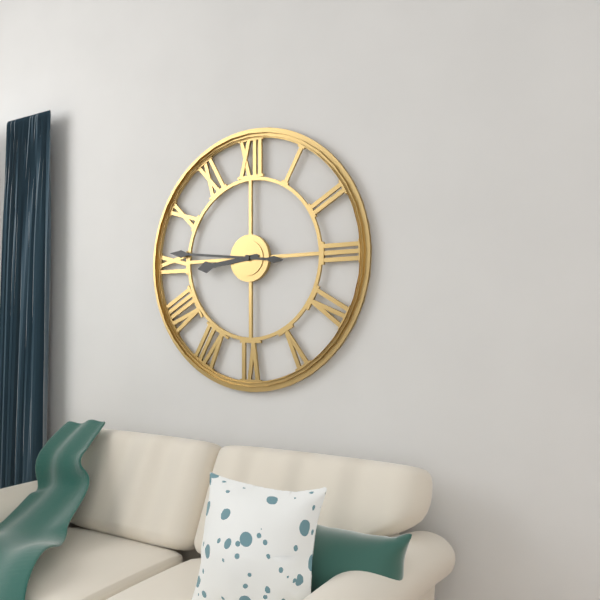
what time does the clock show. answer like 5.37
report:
8.46
